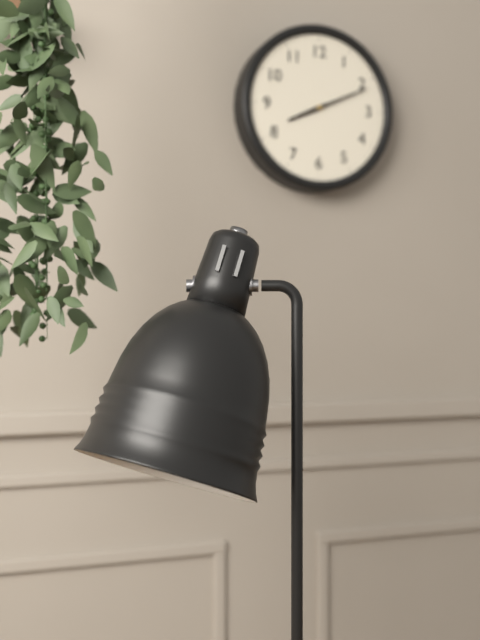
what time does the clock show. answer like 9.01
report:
8.11
